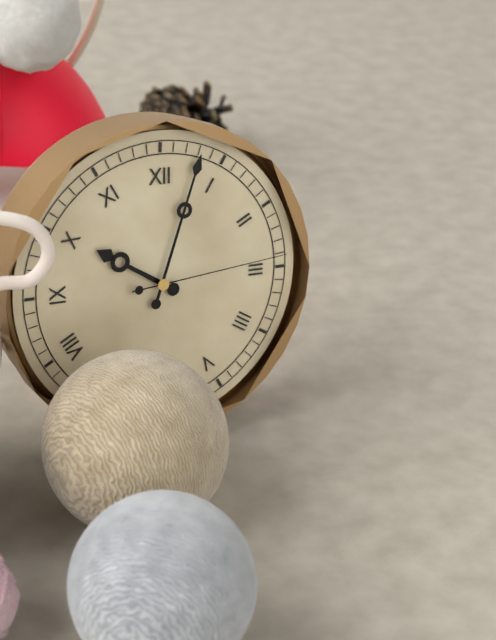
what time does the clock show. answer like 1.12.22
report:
10.03.14
